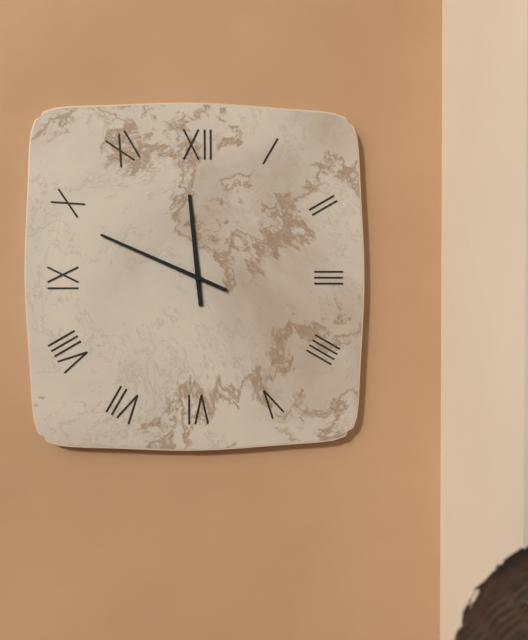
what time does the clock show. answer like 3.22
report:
11.49
